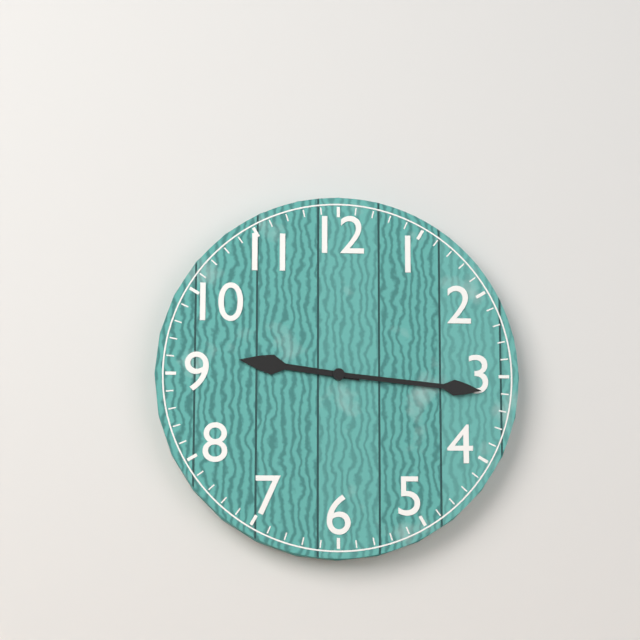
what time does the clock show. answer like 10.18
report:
9.16
